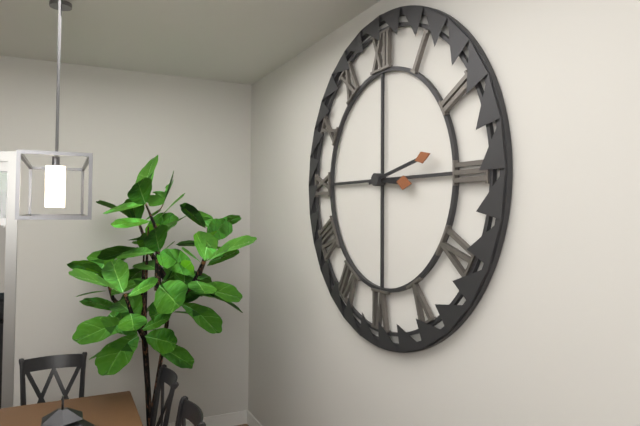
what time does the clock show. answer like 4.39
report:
3.13
